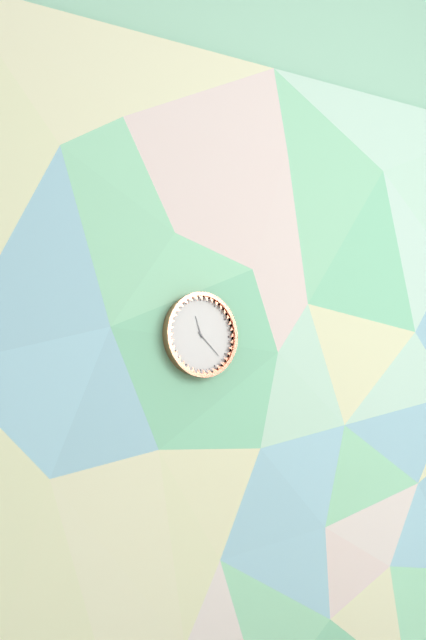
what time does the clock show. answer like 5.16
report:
11.22
